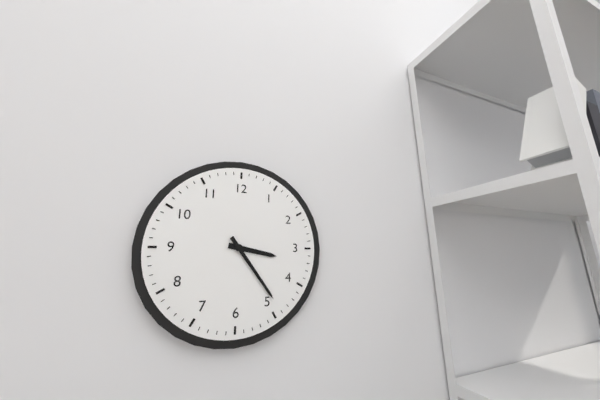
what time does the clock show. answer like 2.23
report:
3.24
